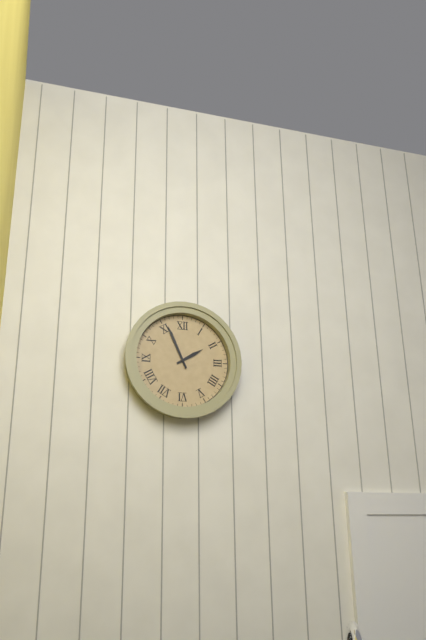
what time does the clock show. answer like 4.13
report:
1.56
